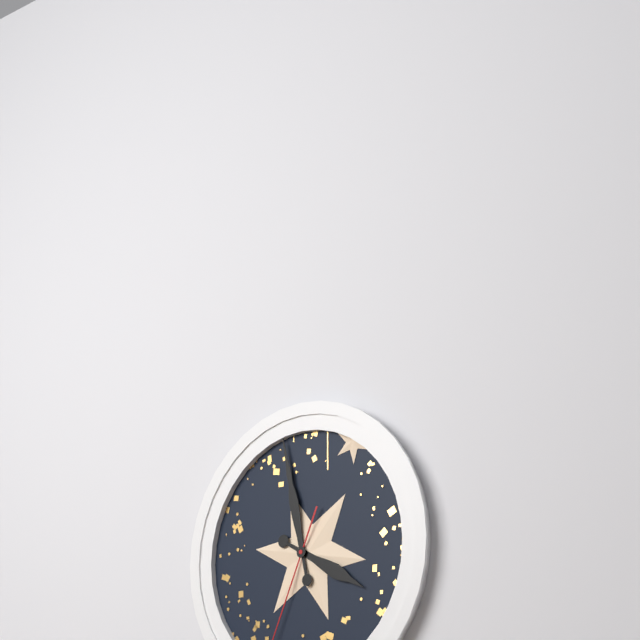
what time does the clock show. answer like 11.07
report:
3.58
